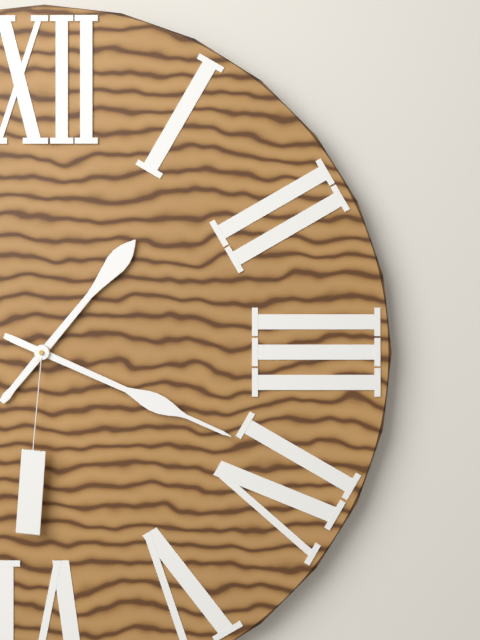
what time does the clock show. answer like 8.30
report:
1.19
